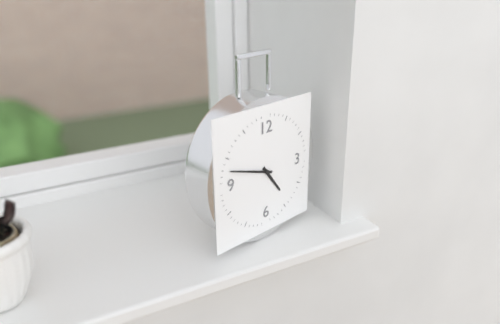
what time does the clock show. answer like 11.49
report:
4.48
